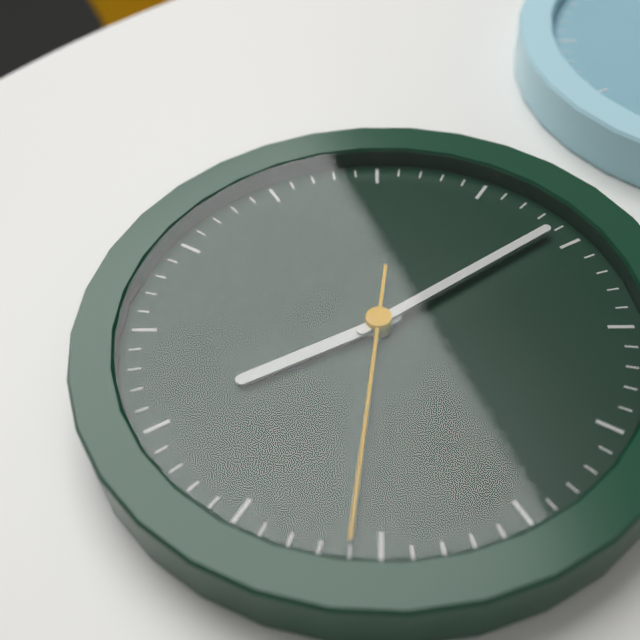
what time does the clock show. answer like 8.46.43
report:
7.04.26
